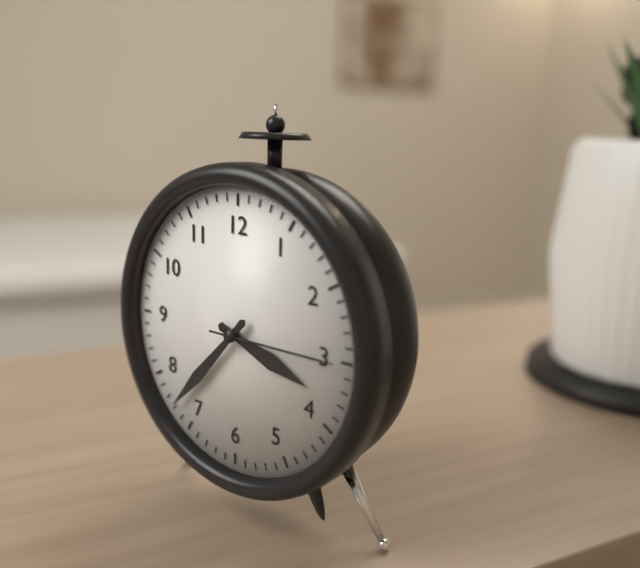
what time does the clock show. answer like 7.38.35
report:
3.37.15
